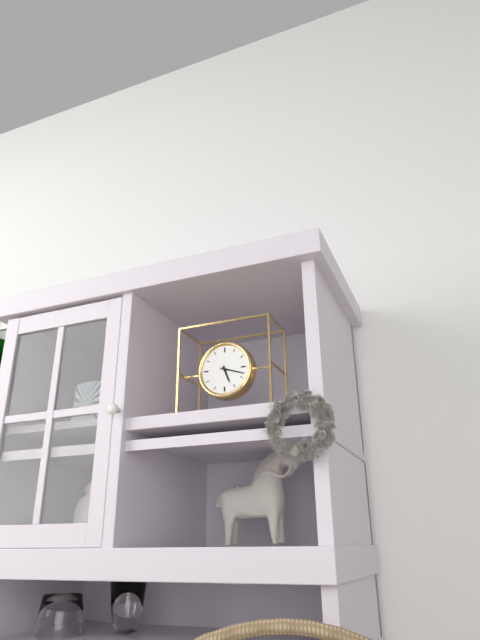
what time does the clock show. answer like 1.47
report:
5.18
